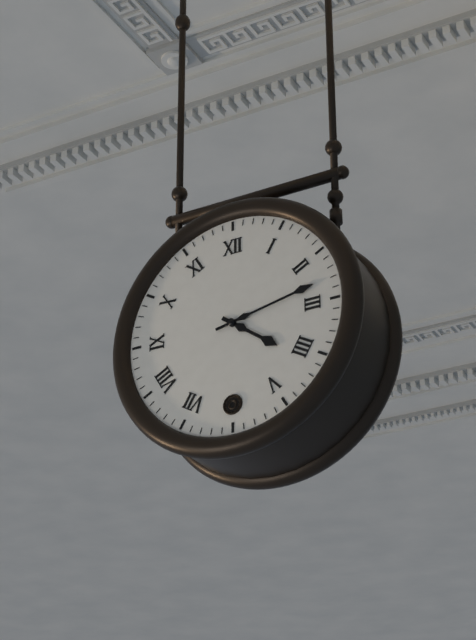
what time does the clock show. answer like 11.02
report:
4.13
